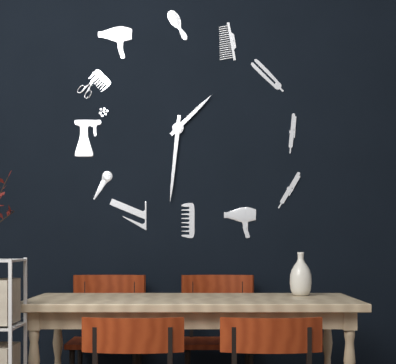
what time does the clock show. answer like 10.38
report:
1.31
